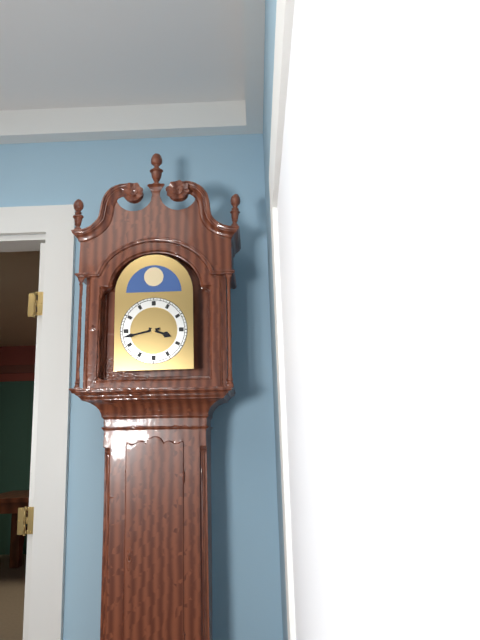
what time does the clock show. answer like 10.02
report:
3.43
